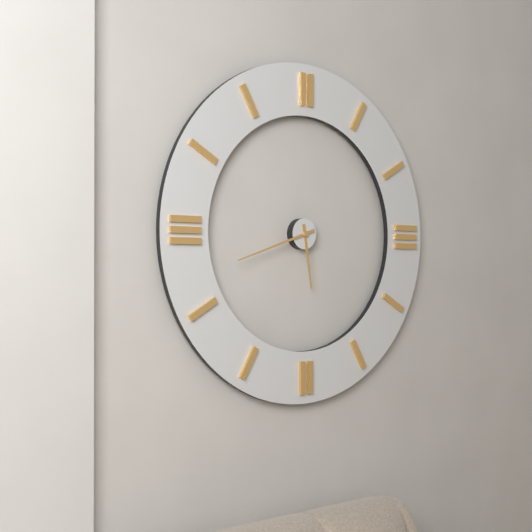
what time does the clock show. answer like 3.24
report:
5.42
